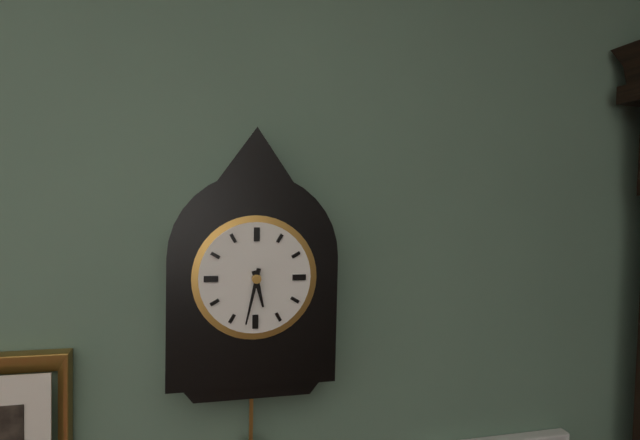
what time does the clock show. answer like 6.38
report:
5.32
